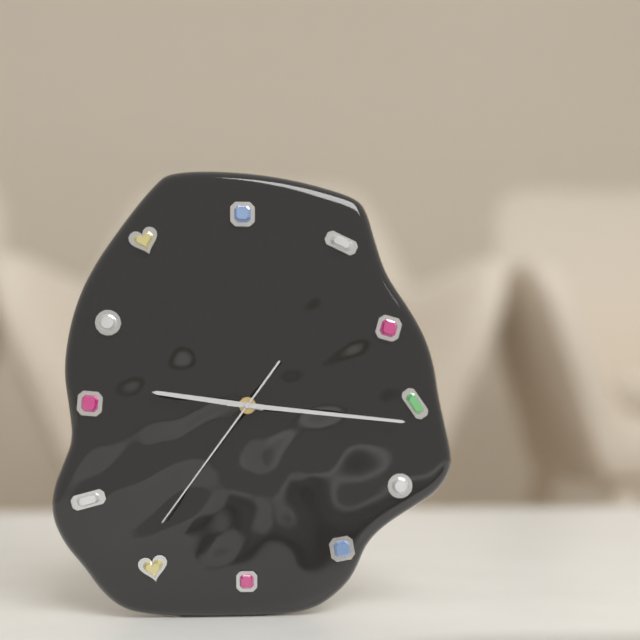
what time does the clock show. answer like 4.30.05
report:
9.16.36
